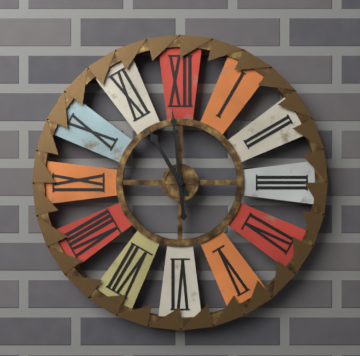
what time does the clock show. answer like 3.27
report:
10.59
